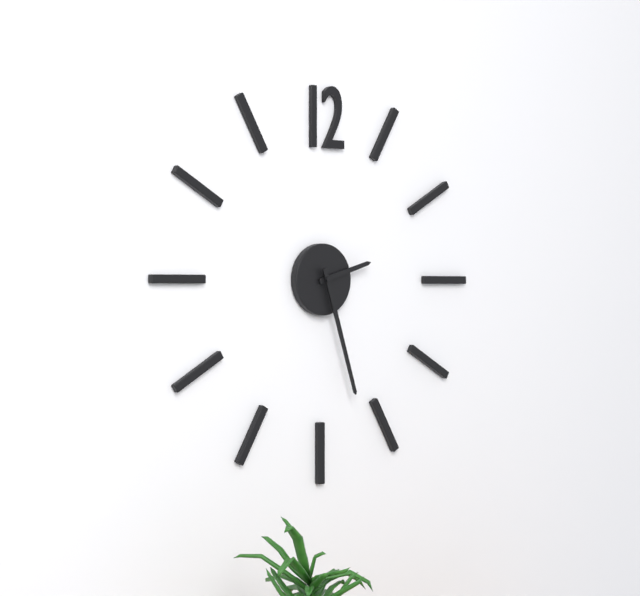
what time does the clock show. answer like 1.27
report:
2.27
